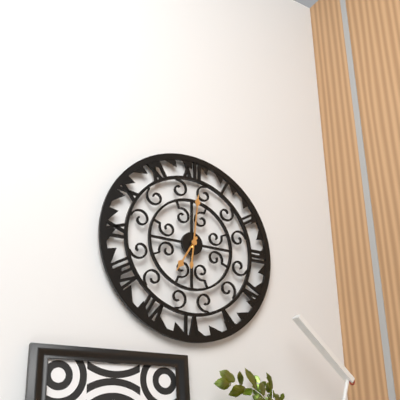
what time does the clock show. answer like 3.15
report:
7.01
